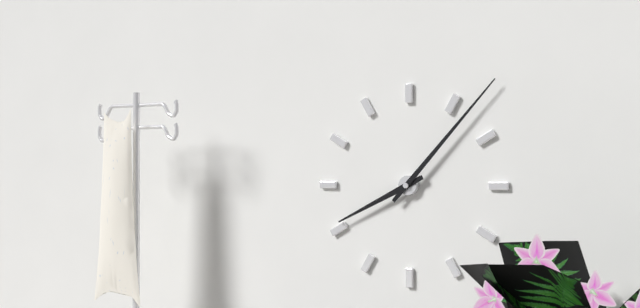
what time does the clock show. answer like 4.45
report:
8.07
